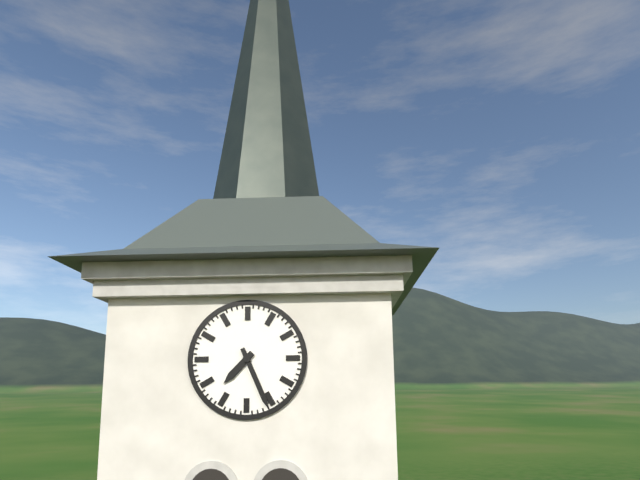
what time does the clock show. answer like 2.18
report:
7.26
